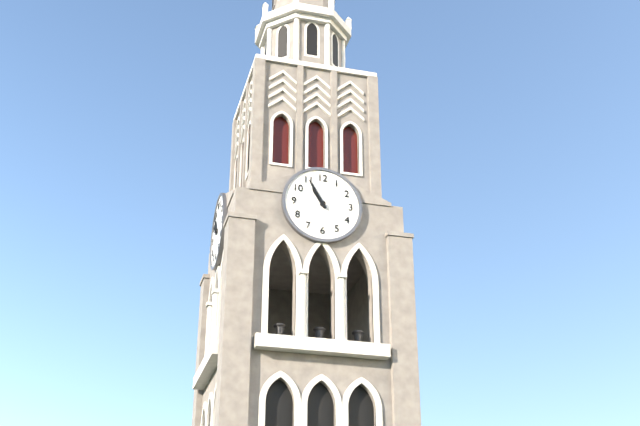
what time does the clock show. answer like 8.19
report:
10.55
